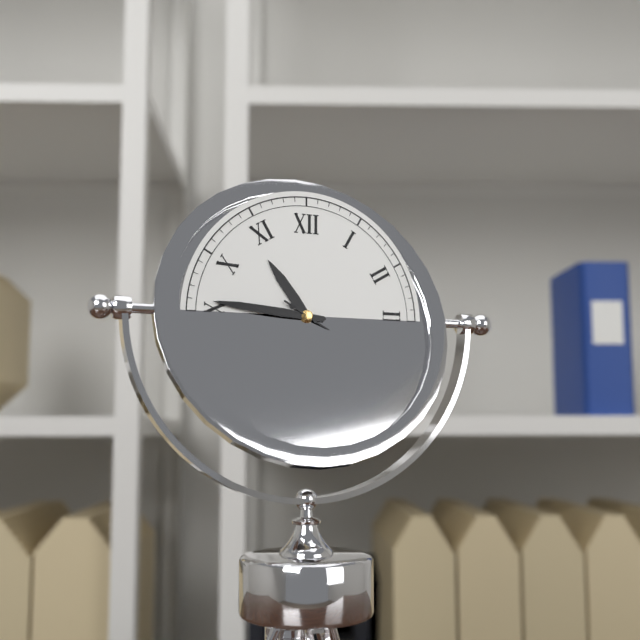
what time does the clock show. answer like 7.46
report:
10.46
